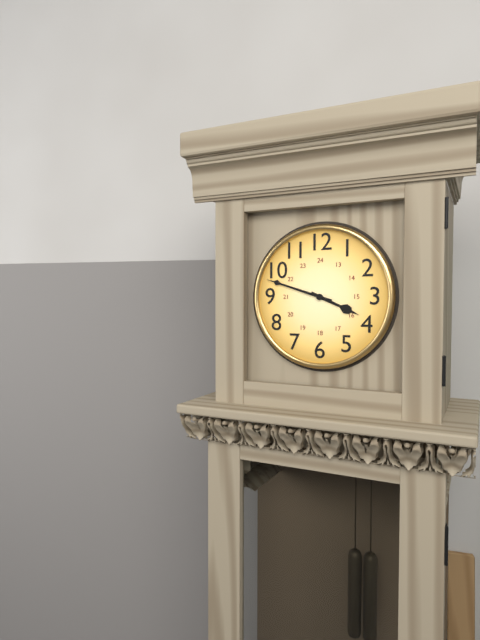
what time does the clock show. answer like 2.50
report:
3.48
